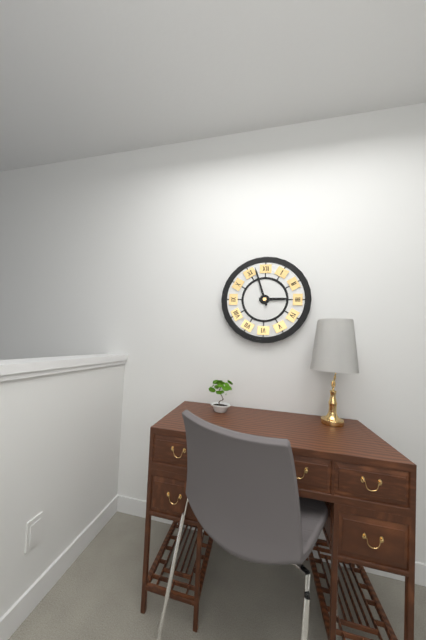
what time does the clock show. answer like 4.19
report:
2.57
